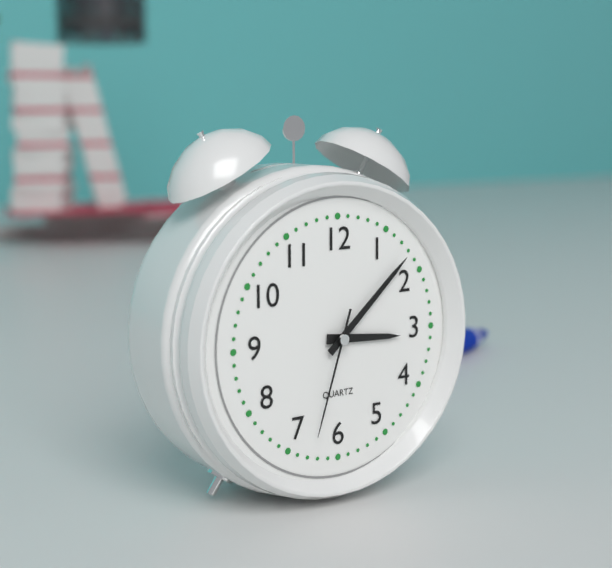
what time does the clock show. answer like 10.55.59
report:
3.08.33
